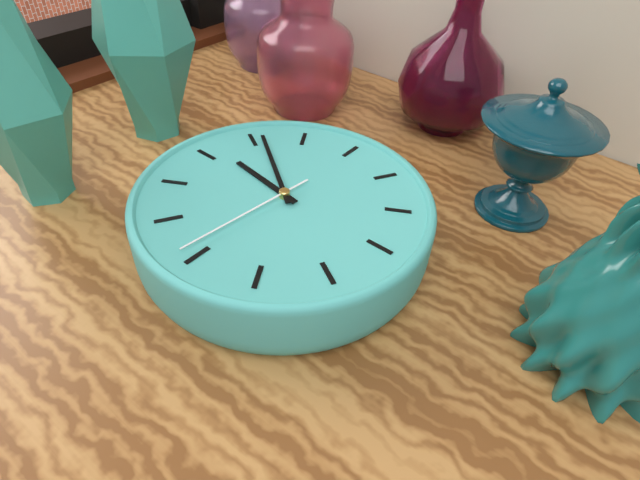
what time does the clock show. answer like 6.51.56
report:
2.16.56
